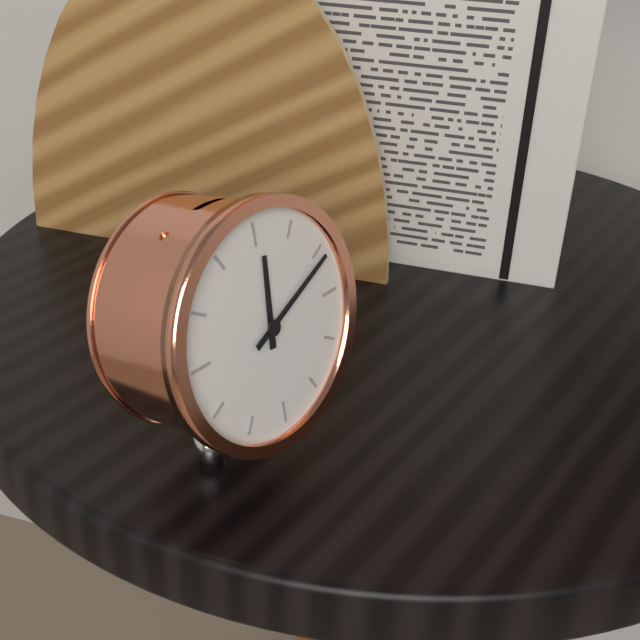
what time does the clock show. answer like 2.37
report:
12.11
